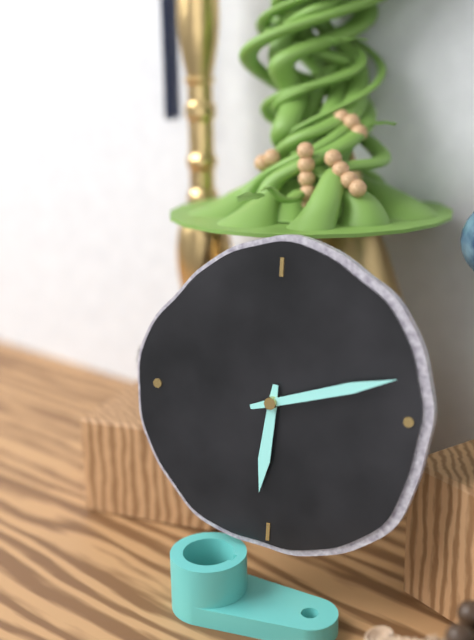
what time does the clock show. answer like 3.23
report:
6.12
